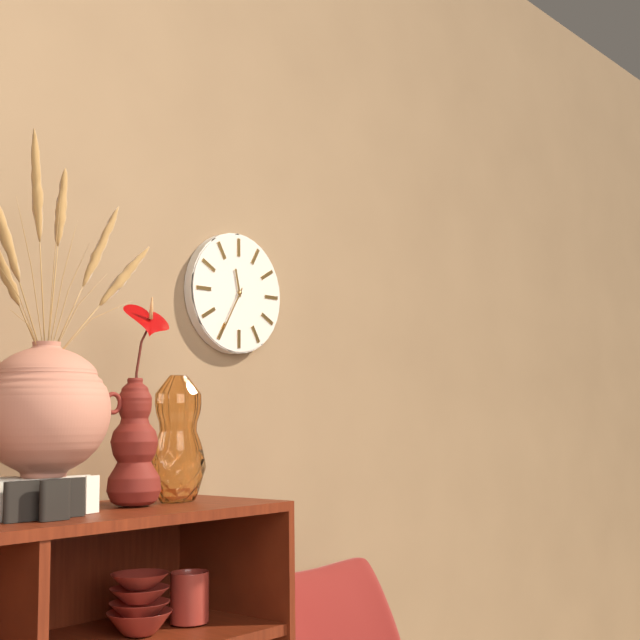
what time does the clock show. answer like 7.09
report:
11.35
